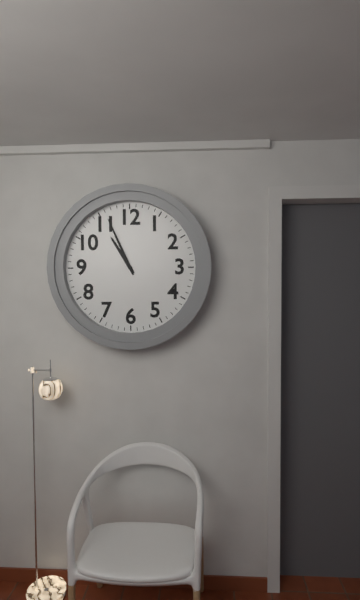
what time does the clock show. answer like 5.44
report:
10.56
